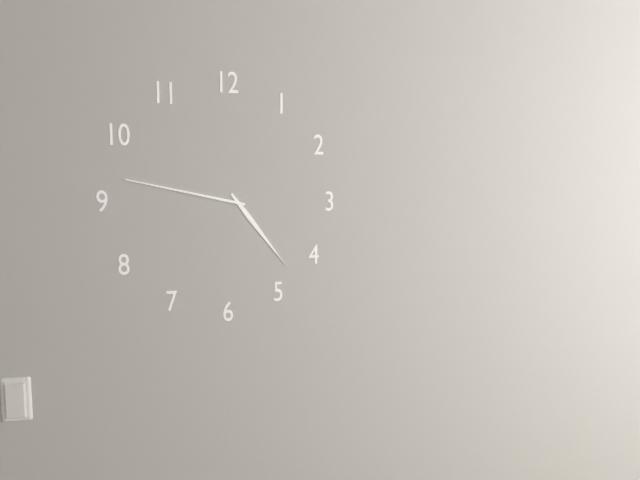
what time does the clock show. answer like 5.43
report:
4.47
